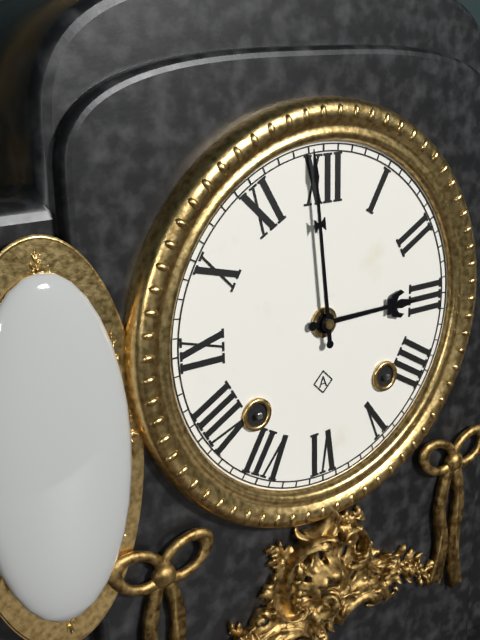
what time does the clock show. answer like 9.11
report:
2.59
